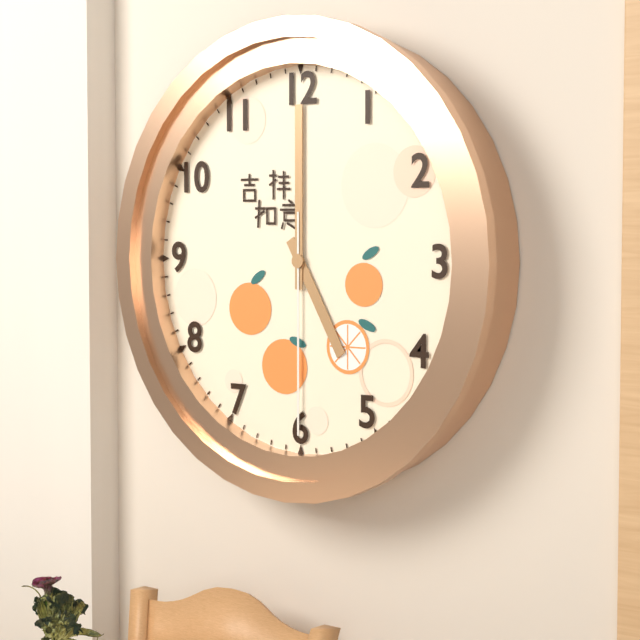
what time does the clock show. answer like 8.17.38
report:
5.00.30
